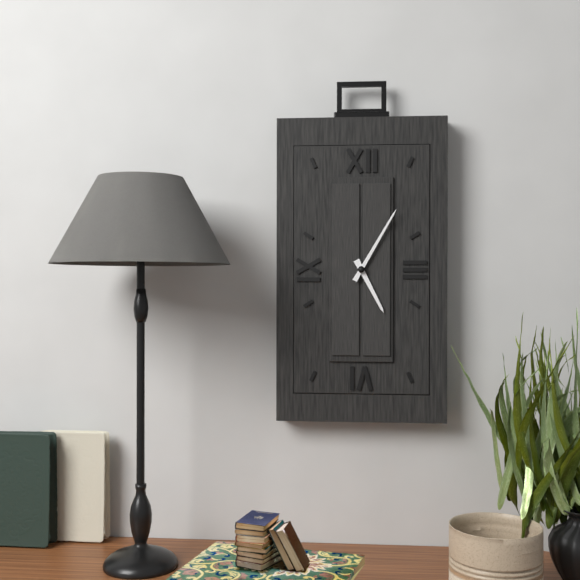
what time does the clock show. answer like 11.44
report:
5.05
